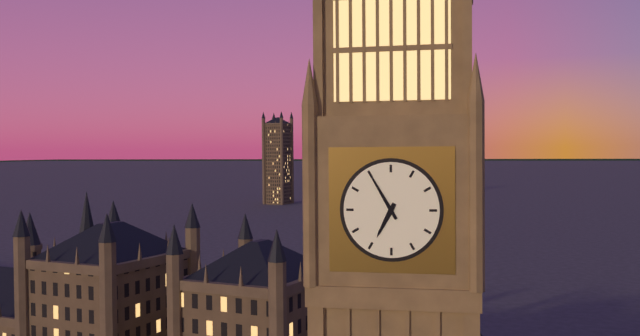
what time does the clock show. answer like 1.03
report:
6.55
